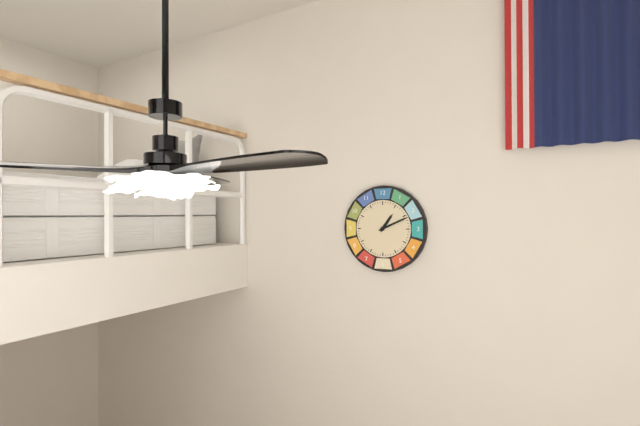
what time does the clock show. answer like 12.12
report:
1.11
